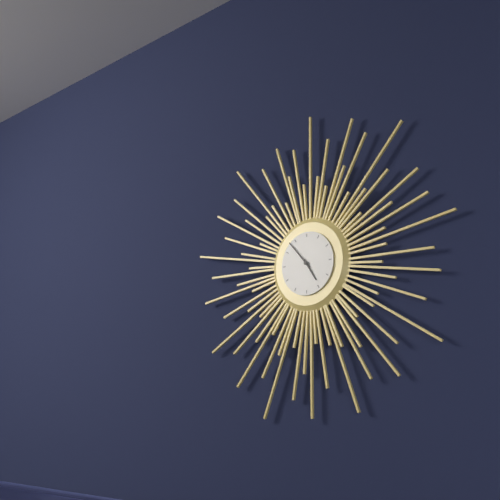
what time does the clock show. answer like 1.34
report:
4.53
